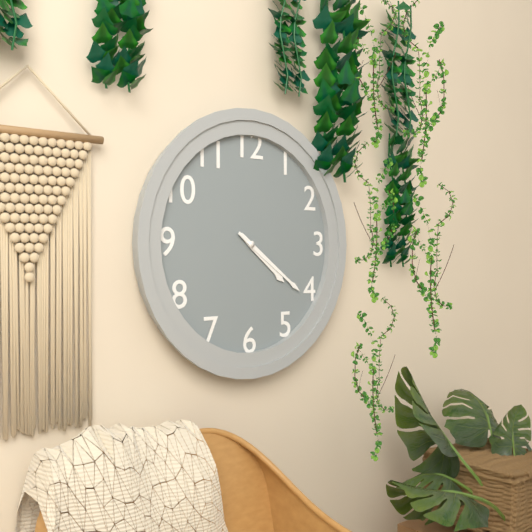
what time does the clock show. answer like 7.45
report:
4.21
